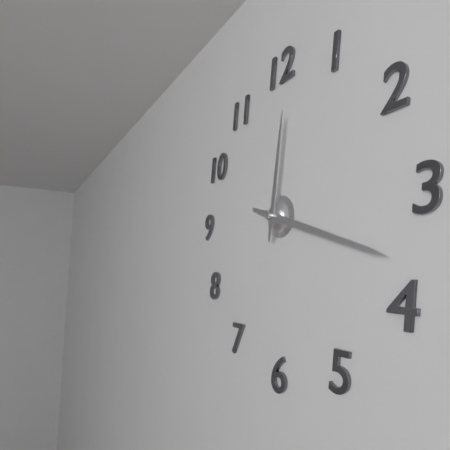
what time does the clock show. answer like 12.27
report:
12.18
